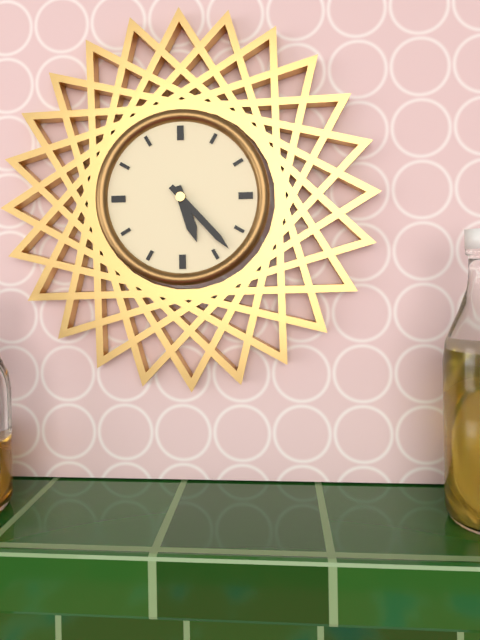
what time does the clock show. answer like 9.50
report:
5.23
